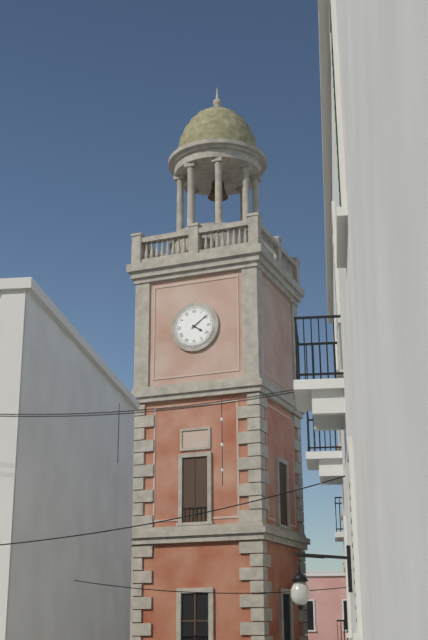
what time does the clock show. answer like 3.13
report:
4.09
